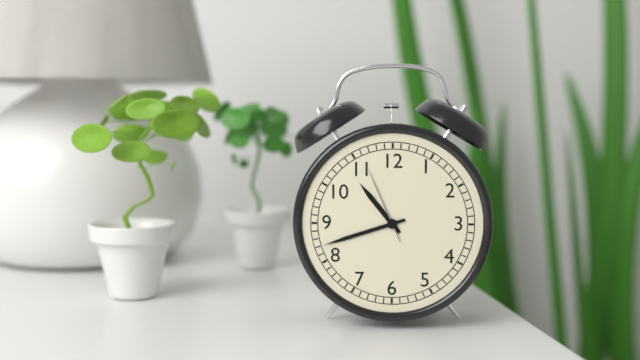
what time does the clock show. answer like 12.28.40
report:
10.42.56
